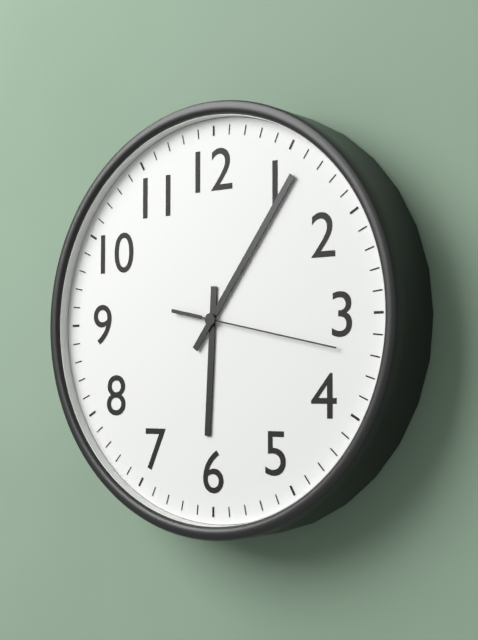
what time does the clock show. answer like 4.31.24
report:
6.06.17
